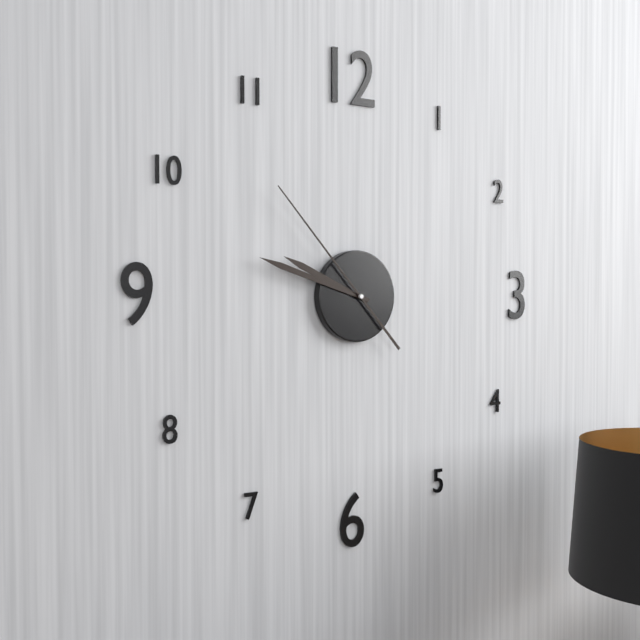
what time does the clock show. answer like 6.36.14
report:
9.48.53
